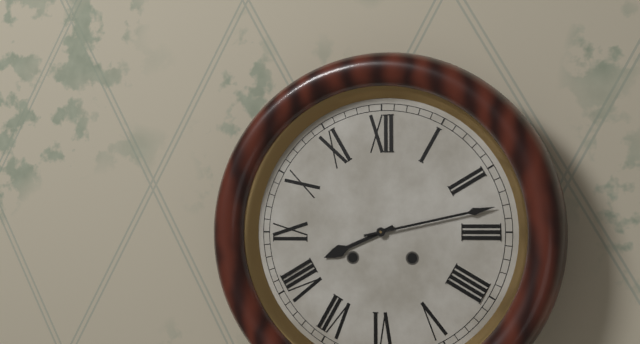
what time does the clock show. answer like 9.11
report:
8.13
